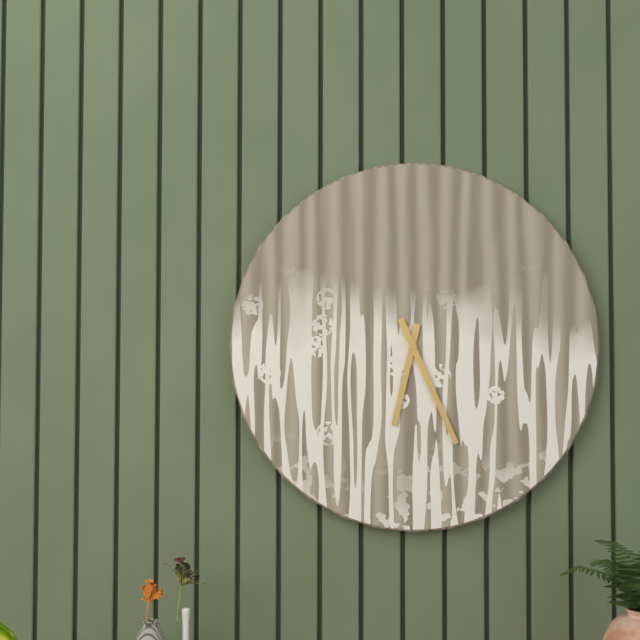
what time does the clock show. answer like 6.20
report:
6.26
